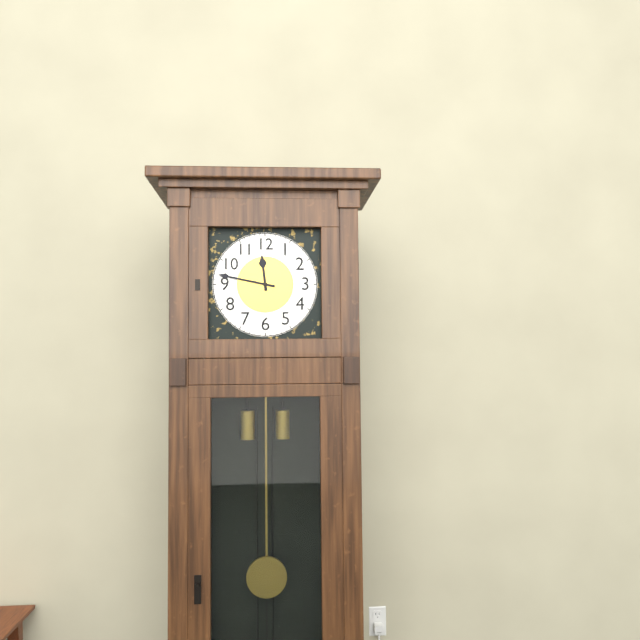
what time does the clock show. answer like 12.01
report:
11.47
